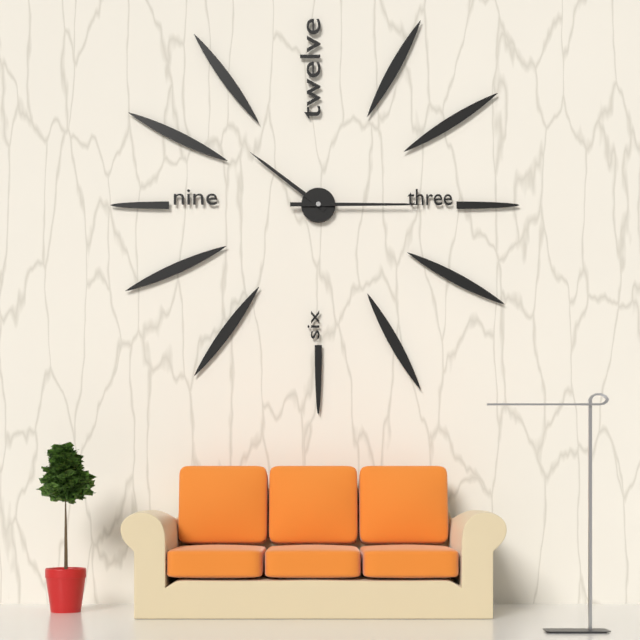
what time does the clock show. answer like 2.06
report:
10.15
